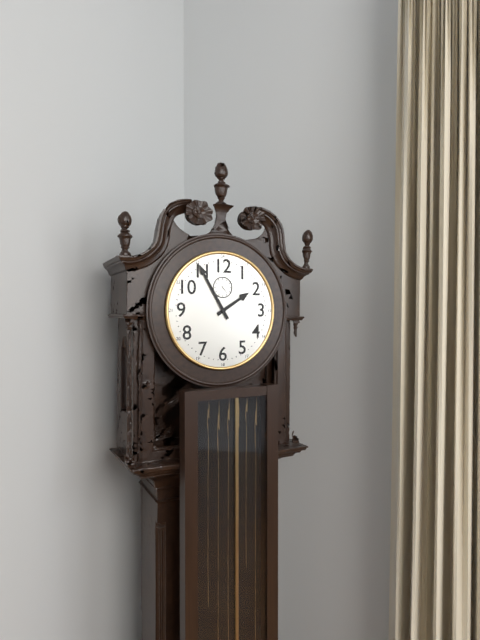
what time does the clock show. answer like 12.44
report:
1.55
